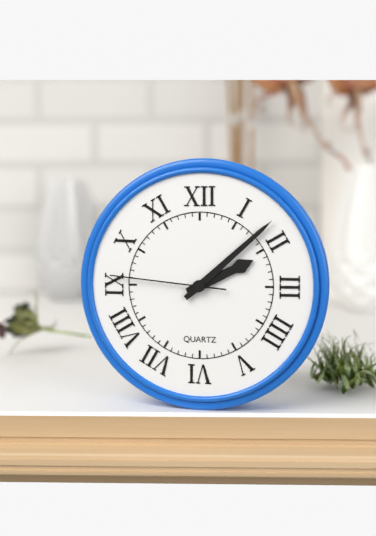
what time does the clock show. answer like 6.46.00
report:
2.08.46
